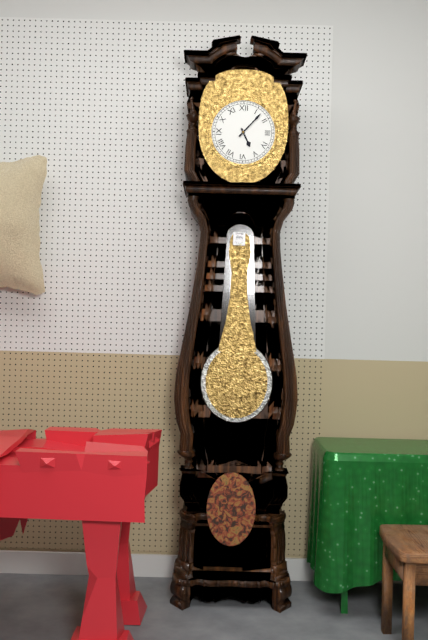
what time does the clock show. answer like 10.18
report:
5.07
